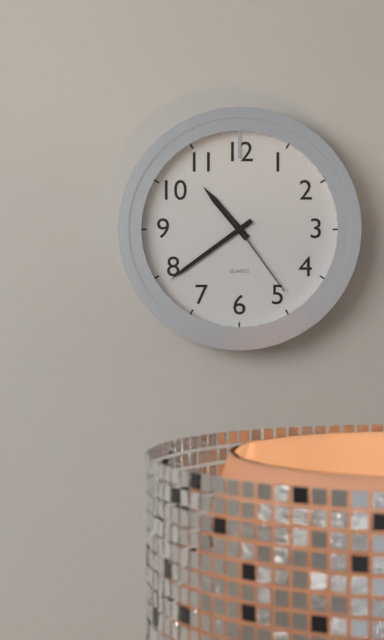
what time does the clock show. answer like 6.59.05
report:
10.39.24
